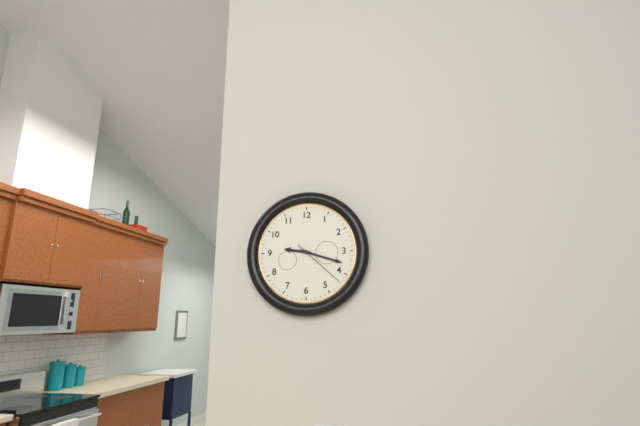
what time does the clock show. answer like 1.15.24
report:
9.18.22
